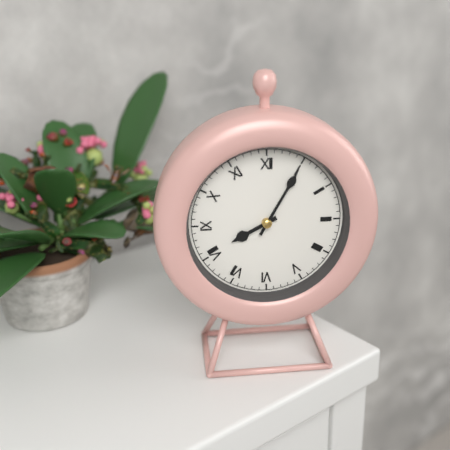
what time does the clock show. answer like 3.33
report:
8.05
